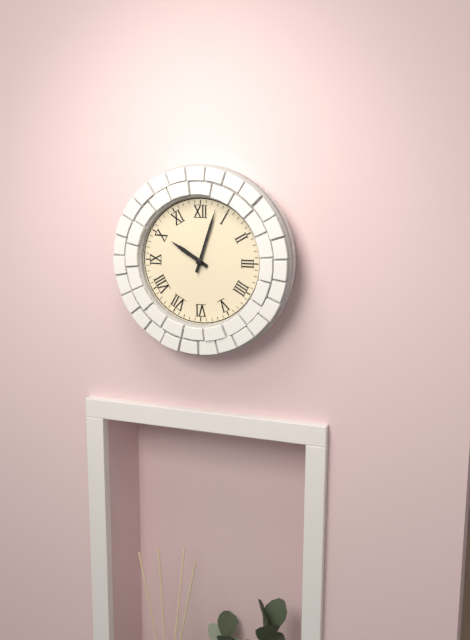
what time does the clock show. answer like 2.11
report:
10.03
